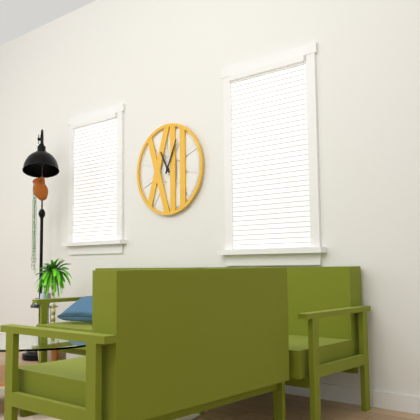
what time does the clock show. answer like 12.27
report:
11.04
